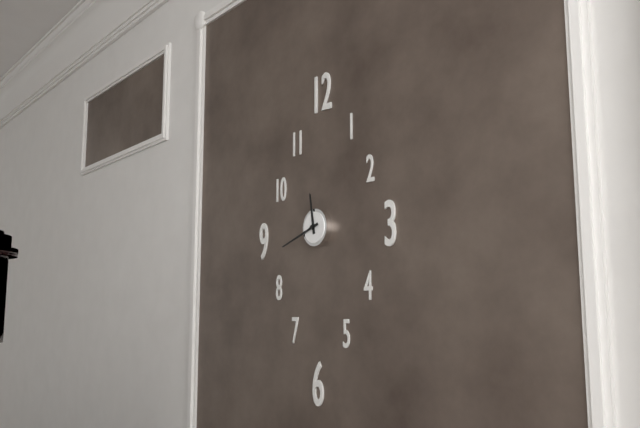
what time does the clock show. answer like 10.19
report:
11.42
